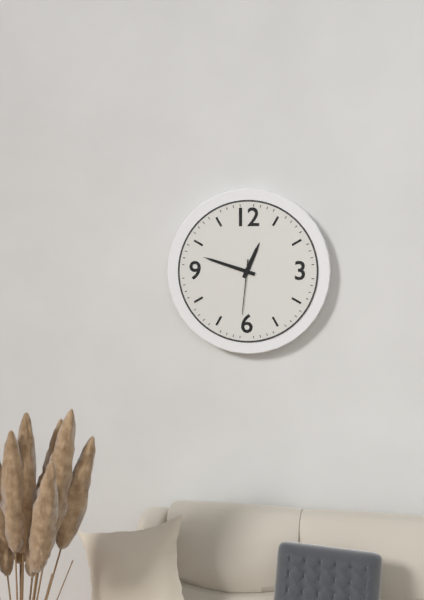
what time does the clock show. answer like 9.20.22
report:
12.48.31
